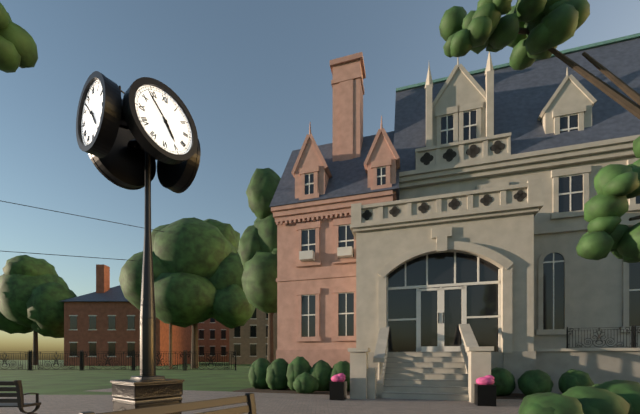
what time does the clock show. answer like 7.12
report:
4.53
